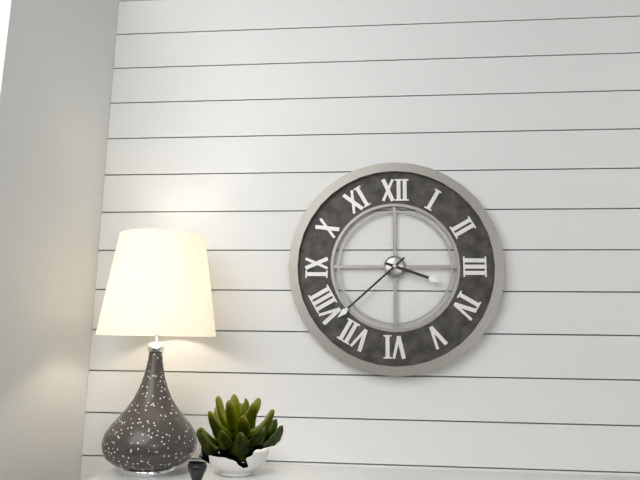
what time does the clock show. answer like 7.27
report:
3.38
